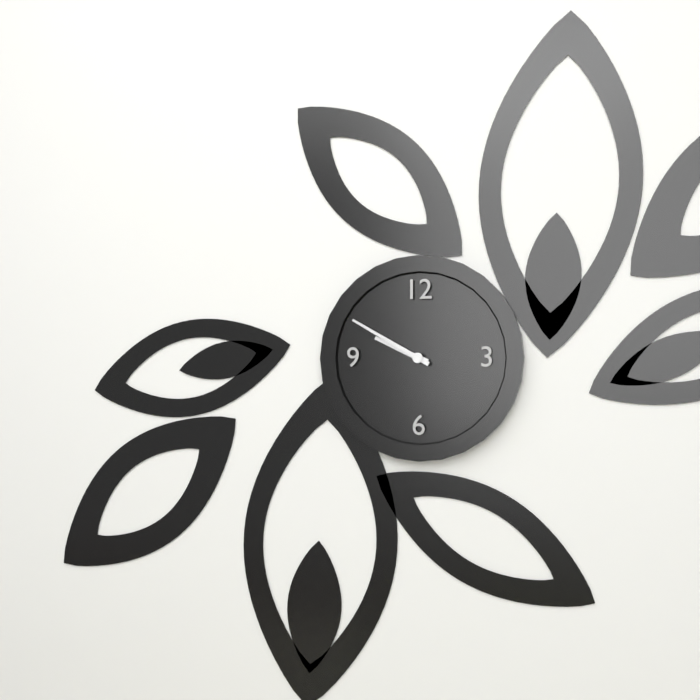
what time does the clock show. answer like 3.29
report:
9.50
